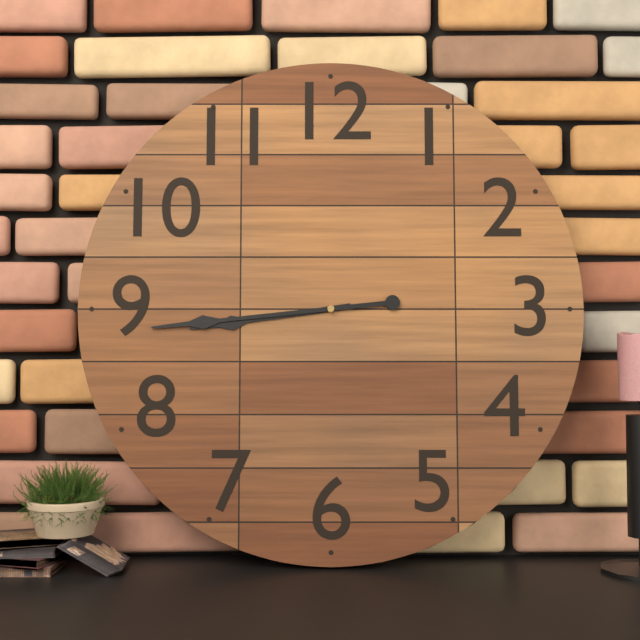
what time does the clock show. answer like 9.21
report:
8.44
